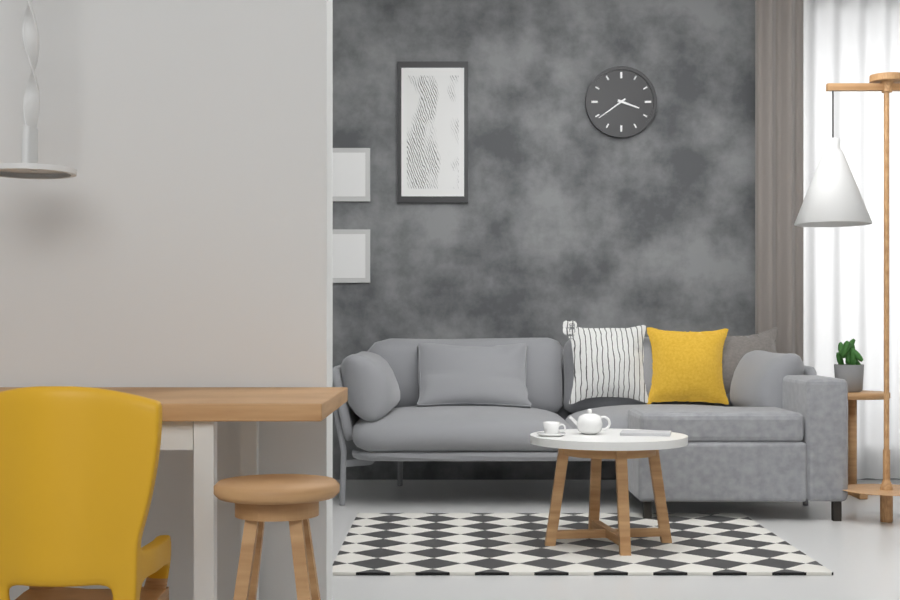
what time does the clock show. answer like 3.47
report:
3.39
